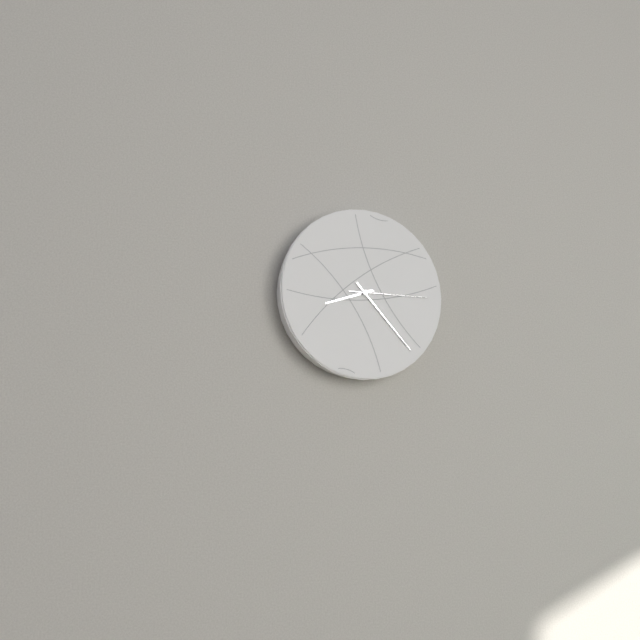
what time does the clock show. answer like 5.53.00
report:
8.23.15
